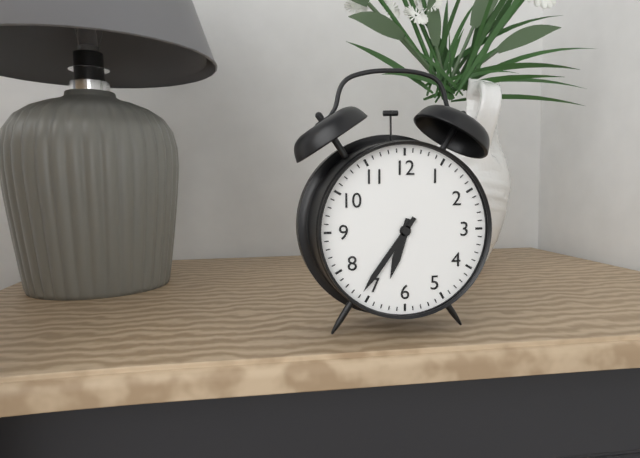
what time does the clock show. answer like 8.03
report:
6.36
